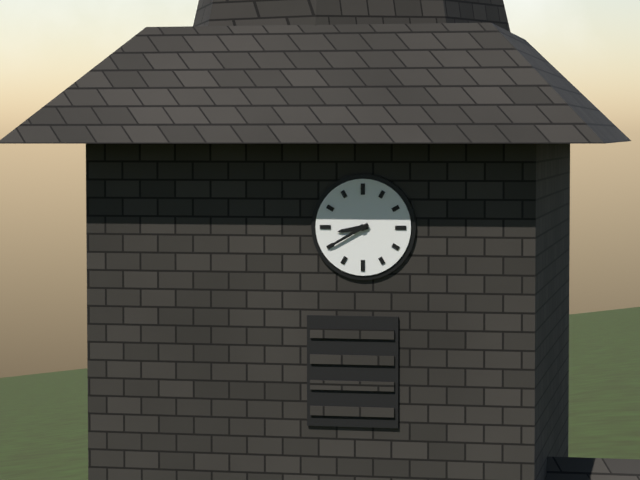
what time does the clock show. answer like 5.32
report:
8.40
